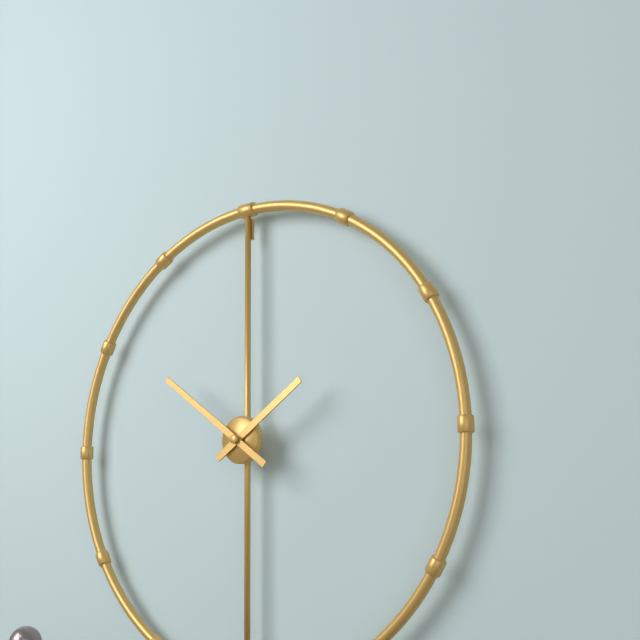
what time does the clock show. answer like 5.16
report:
1.51
